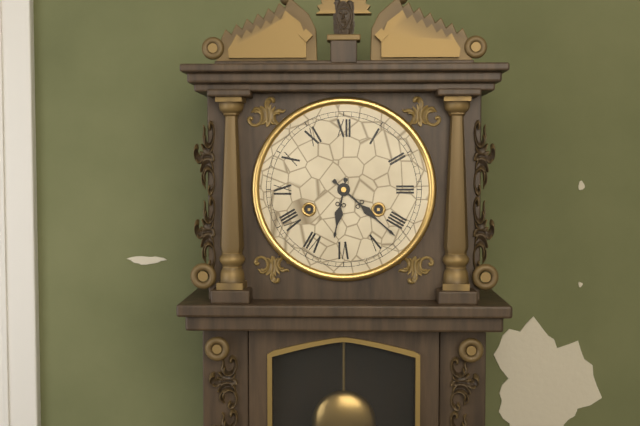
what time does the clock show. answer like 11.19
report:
6.22
